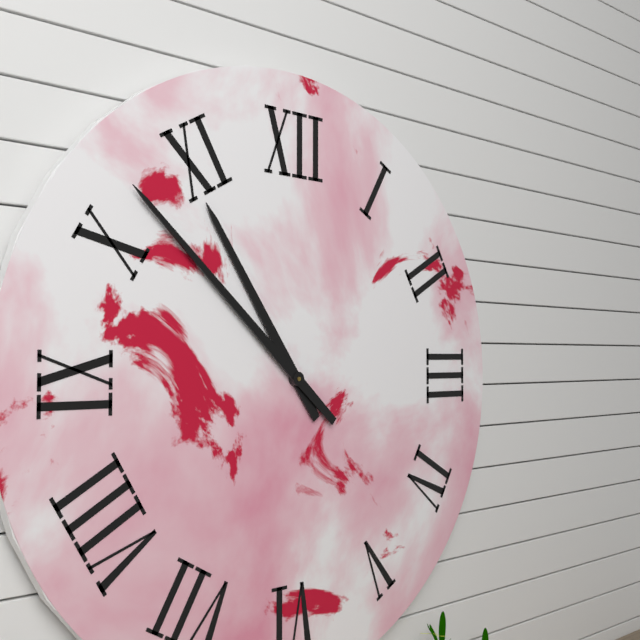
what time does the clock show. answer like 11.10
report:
10.52
